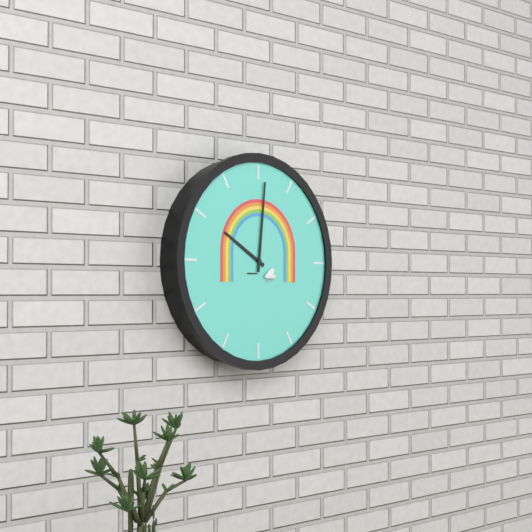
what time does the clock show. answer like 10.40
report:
10.01
